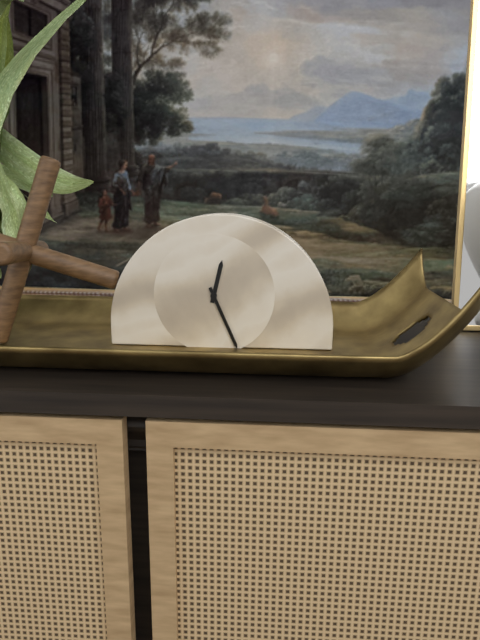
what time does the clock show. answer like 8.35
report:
12.26
